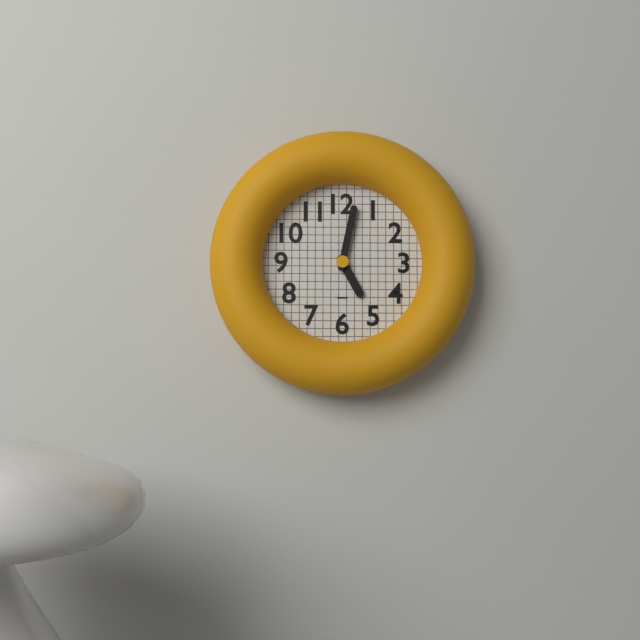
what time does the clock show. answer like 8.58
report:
5.02
